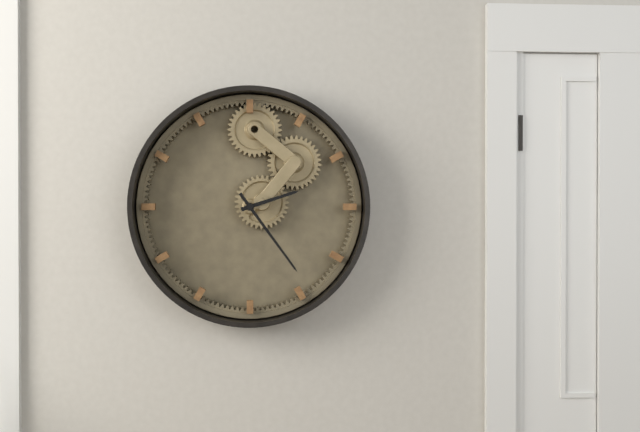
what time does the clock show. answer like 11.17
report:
2.24
